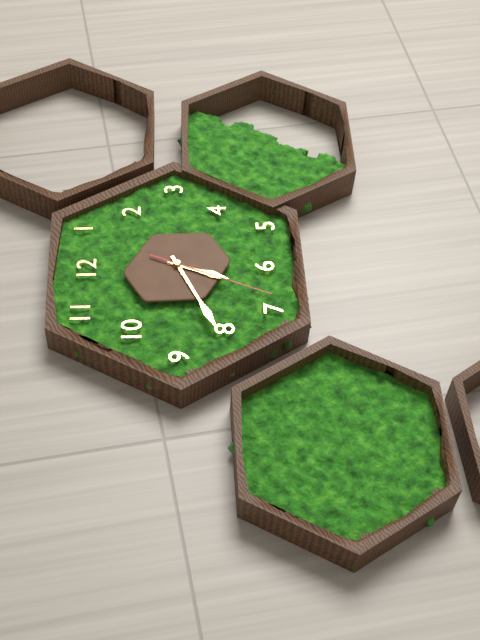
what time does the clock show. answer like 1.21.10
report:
6.41.34
